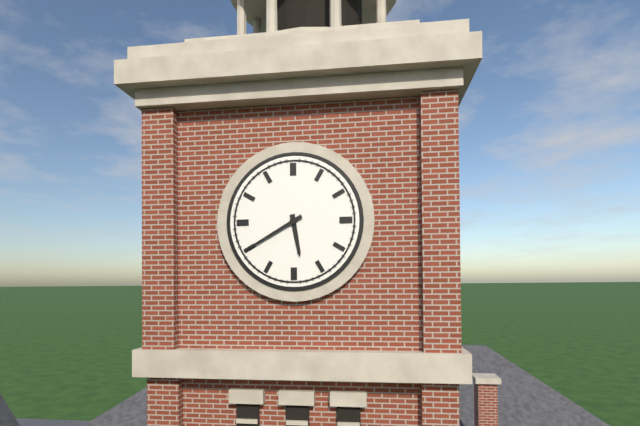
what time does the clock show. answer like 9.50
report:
5.40
